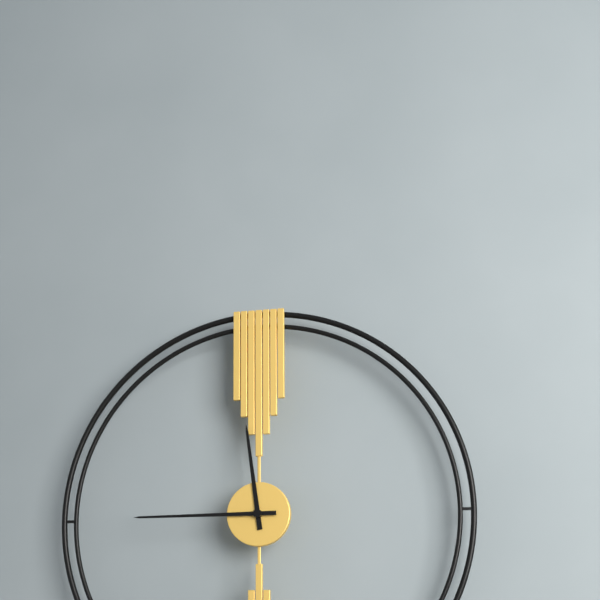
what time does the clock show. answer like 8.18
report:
11.45
